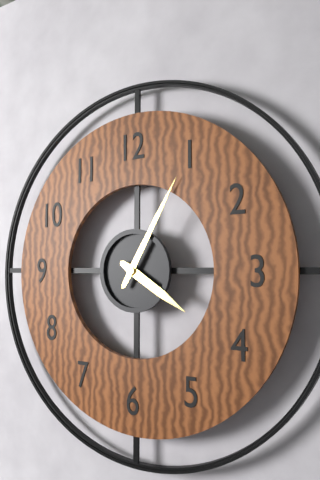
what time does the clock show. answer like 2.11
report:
4.05
